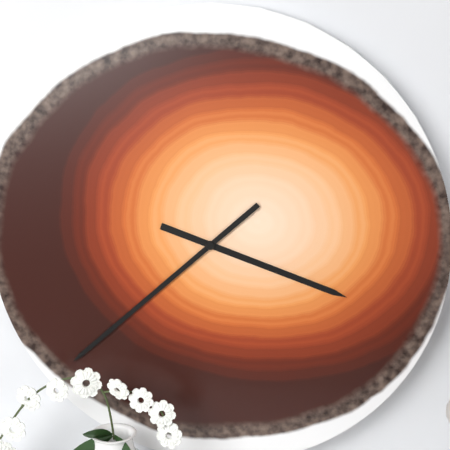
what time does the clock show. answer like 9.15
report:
3.38
